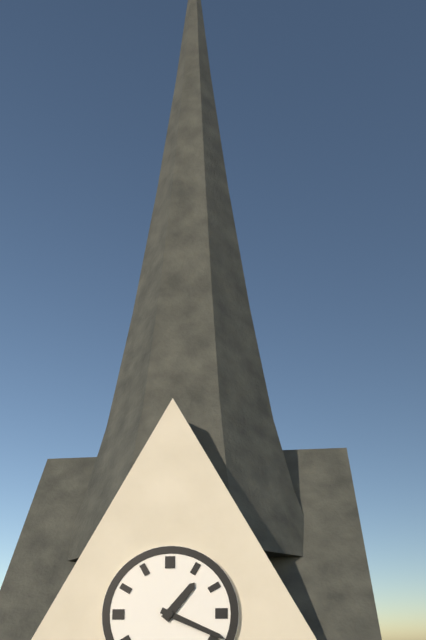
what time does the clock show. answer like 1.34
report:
1.19
